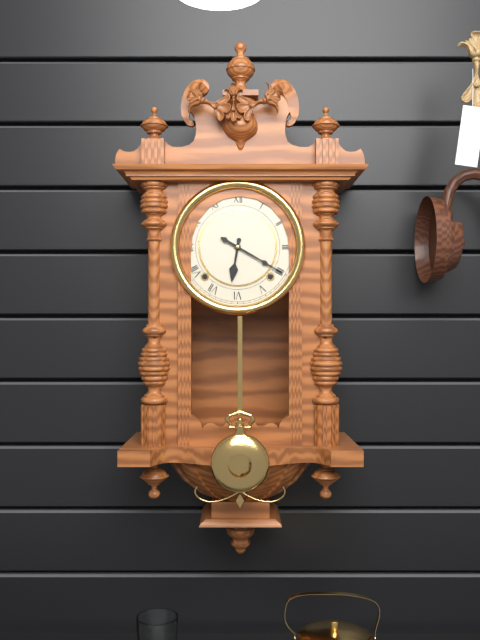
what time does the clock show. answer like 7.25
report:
6.20
